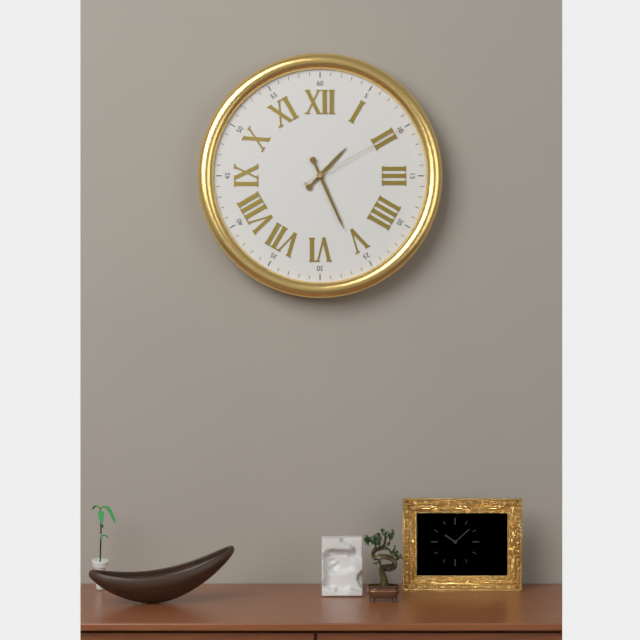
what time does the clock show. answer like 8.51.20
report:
1.26.10
